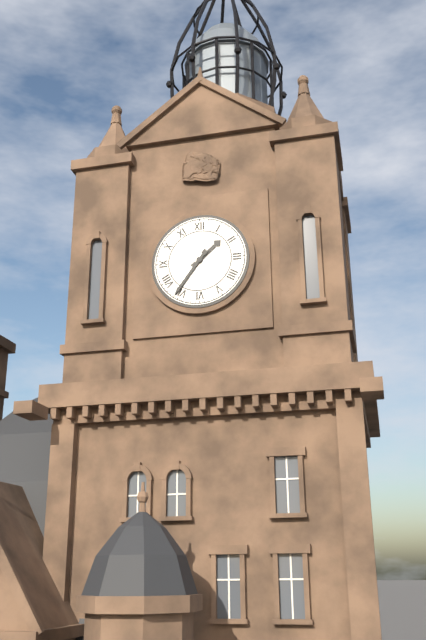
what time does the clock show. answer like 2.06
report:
1.36
